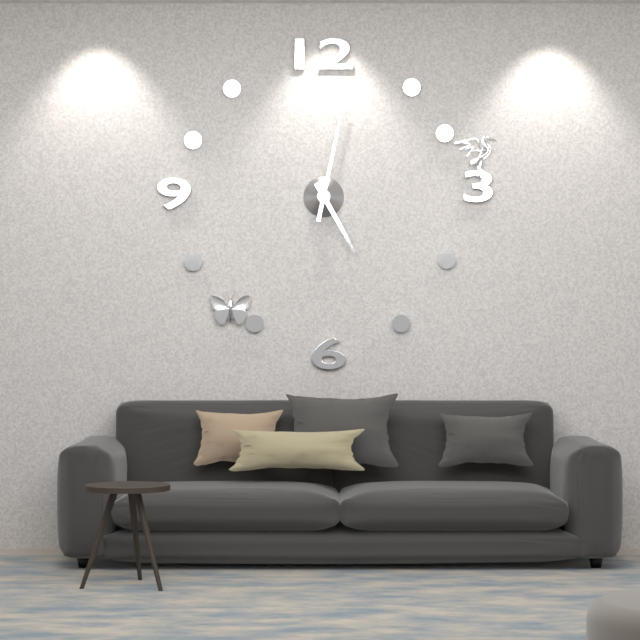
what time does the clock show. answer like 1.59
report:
5.02
